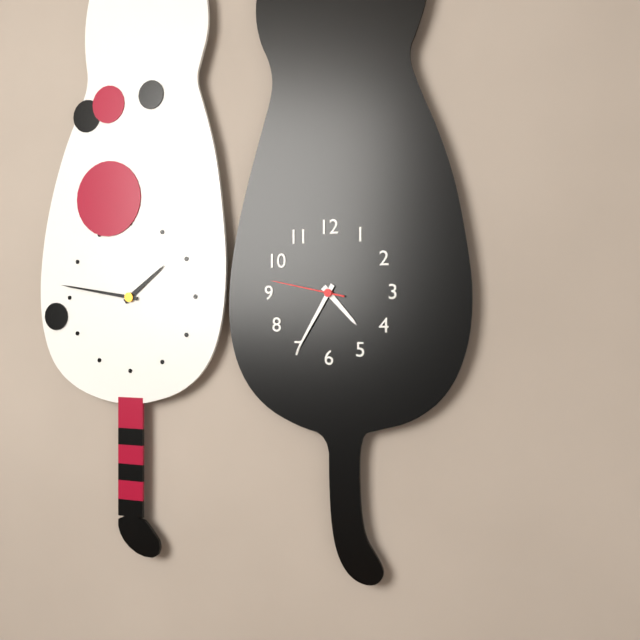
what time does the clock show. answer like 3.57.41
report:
4.35.47
